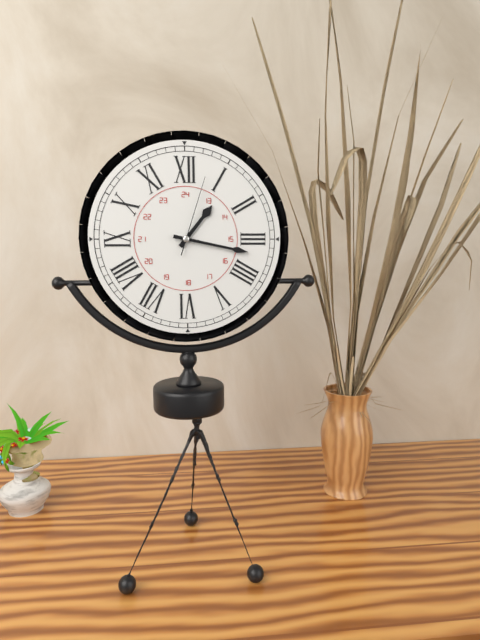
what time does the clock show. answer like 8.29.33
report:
1.17.03
